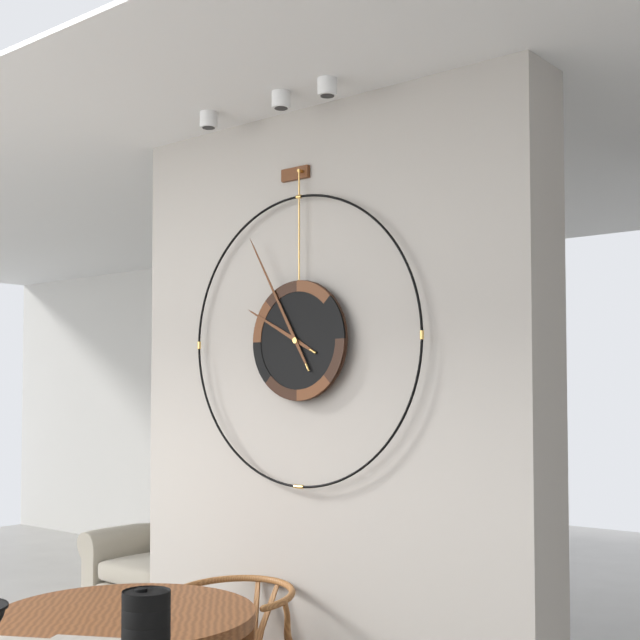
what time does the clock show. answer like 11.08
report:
9.55
